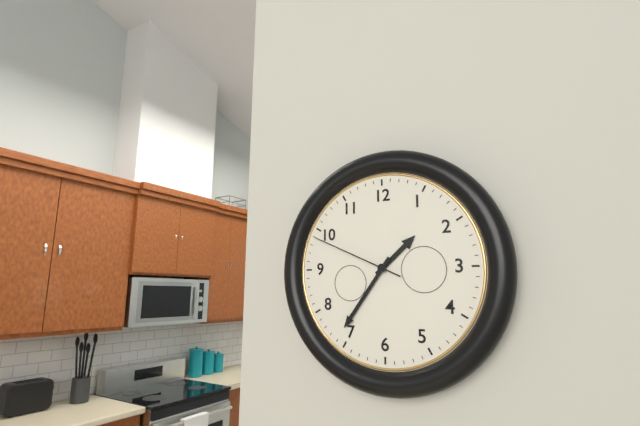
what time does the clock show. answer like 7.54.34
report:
1.36.49
